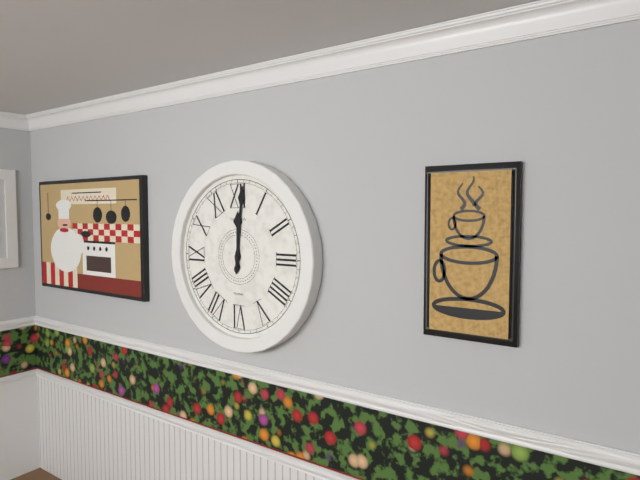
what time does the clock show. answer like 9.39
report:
12.01
